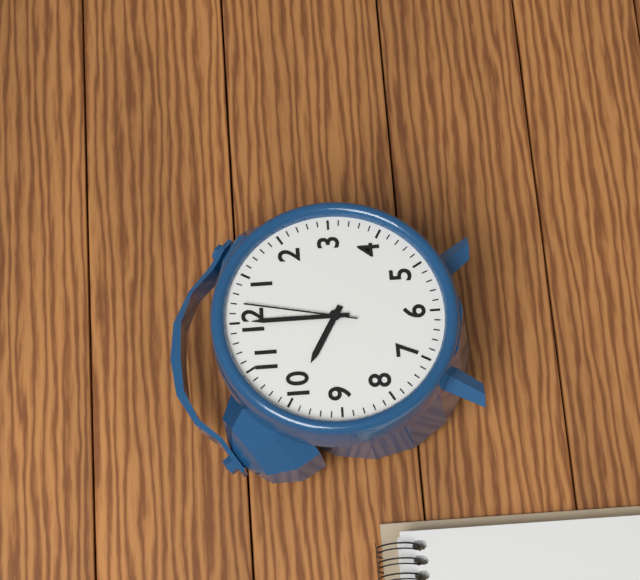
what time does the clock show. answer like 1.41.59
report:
10.00.02
